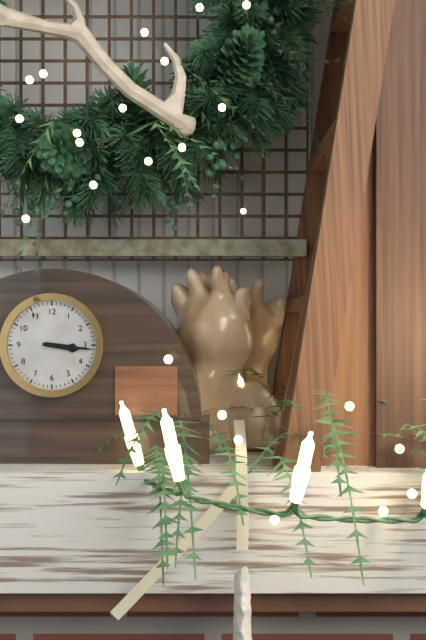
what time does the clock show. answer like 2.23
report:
3.16
